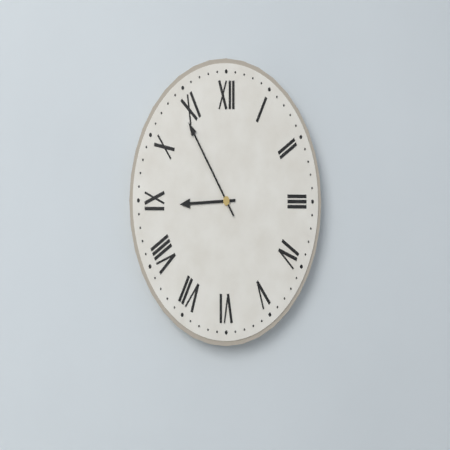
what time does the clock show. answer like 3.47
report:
8.54
